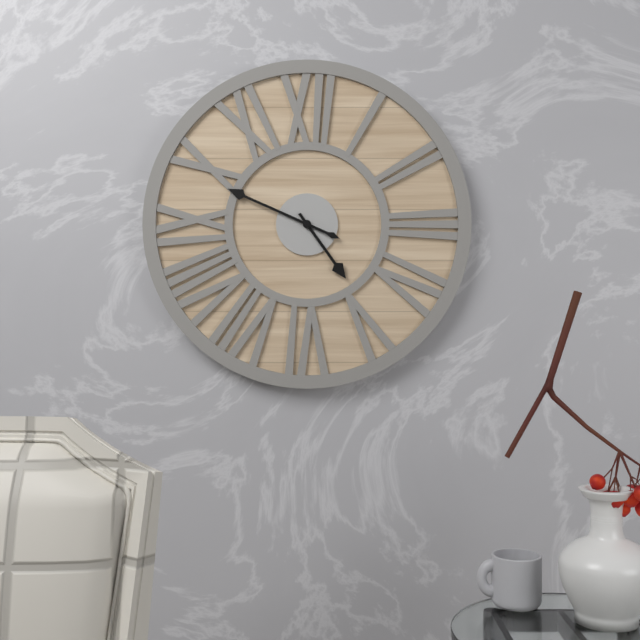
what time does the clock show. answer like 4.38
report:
4.49
